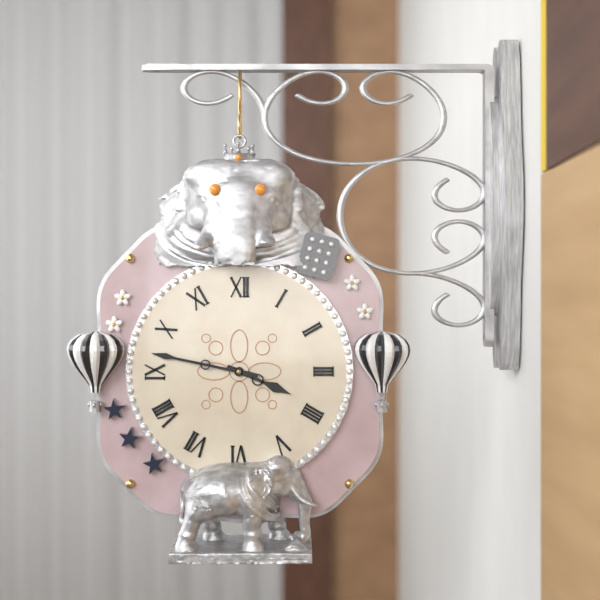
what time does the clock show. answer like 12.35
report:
3.47
